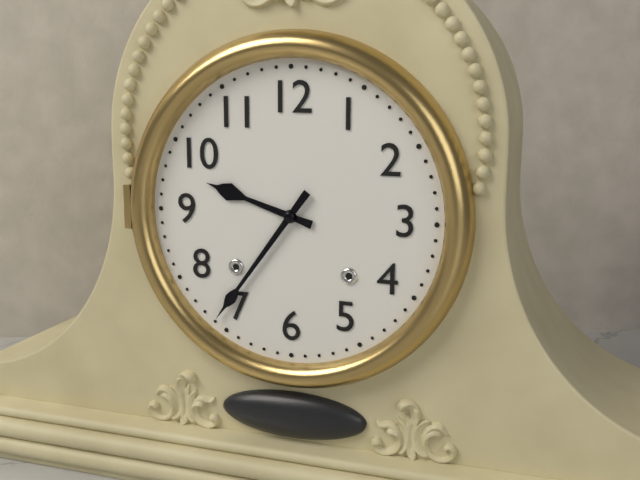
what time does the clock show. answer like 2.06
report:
9.36
